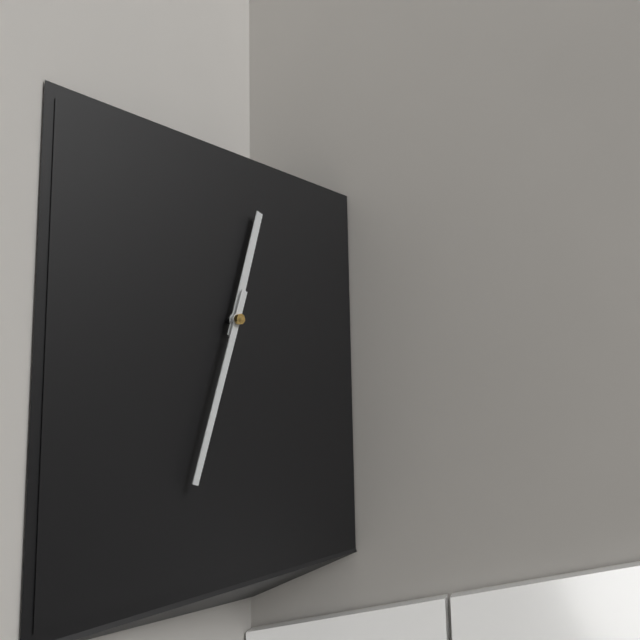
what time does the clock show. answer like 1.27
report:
12.33
